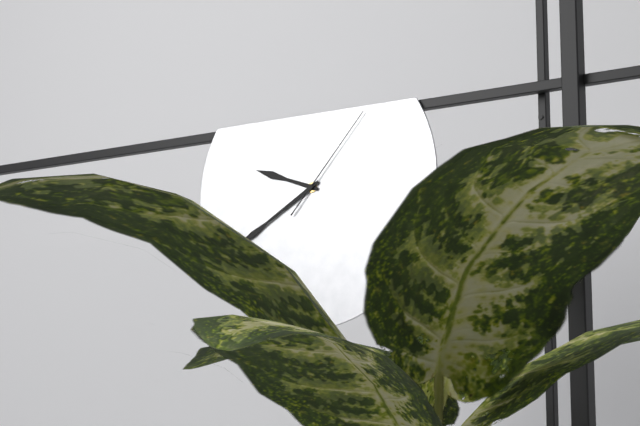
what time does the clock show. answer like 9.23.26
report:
9.40.07
